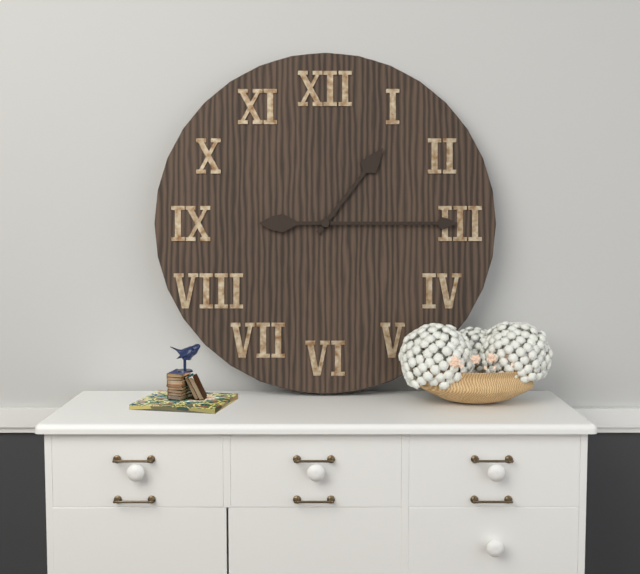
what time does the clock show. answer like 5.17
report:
1.15
